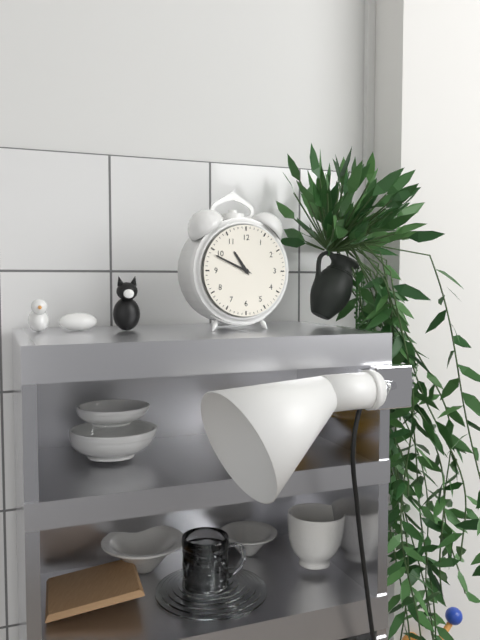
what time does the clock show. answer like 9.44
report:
10.49
